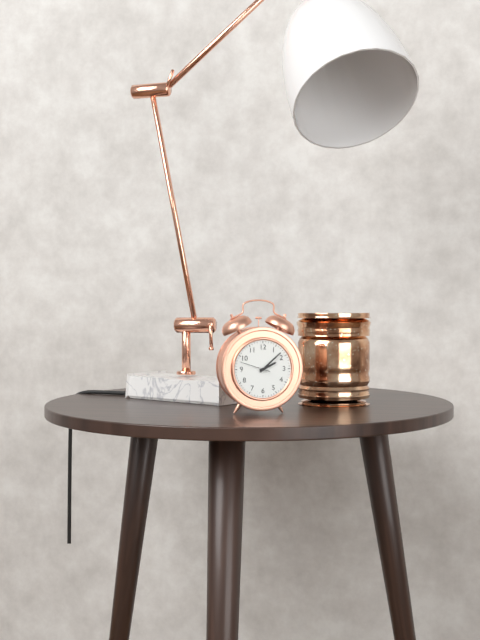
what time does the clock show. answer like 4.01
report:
2.08
